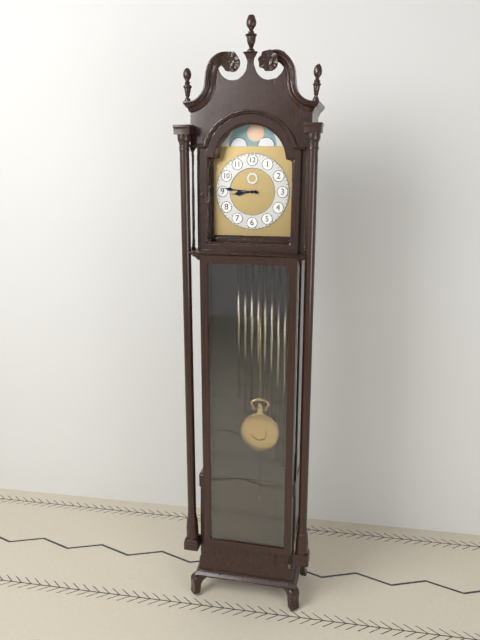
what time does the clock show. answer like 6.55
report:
8.46
